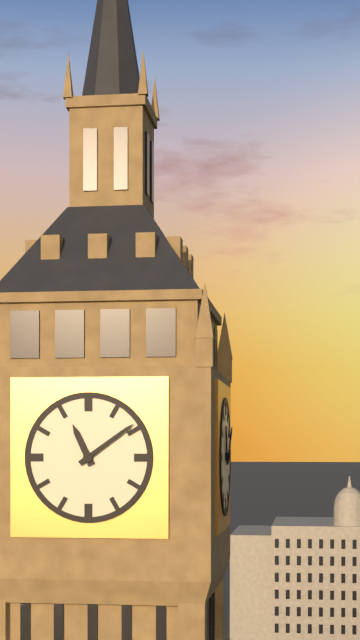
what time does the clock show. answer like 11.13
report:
11.09
